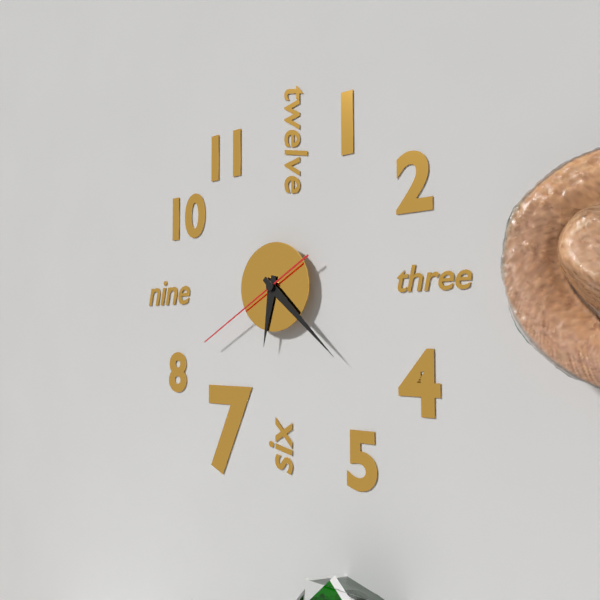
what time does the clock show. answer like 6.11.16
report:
6.22.40
